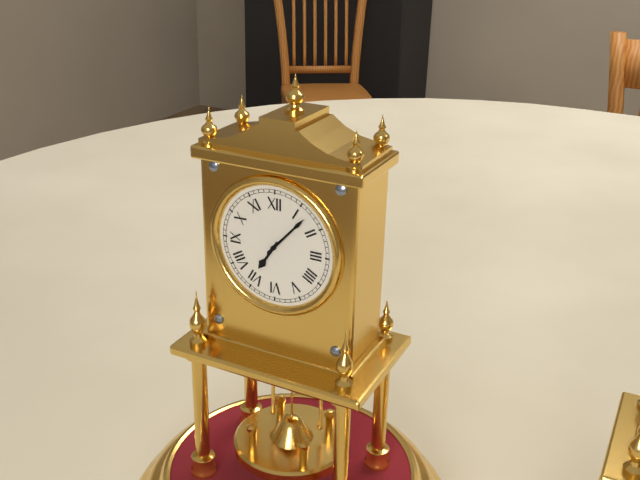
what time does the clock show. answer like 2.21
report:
7.07
